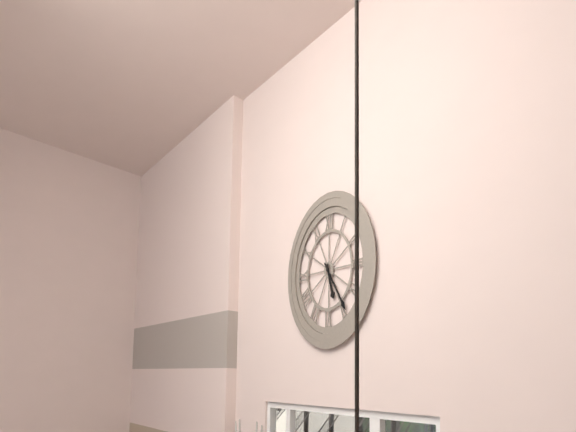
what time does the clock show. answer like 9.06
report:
5.24
